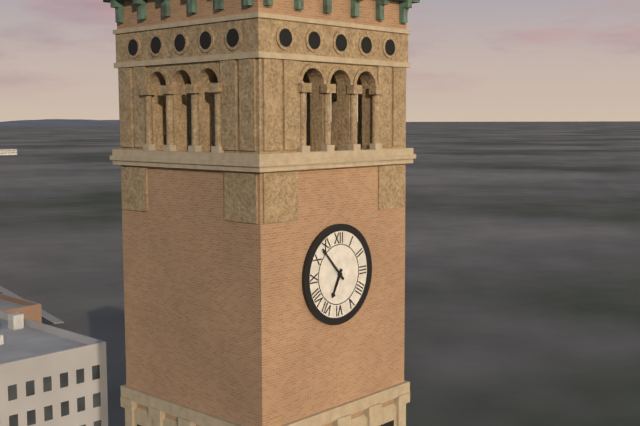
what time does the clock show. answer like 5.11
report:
6.53
